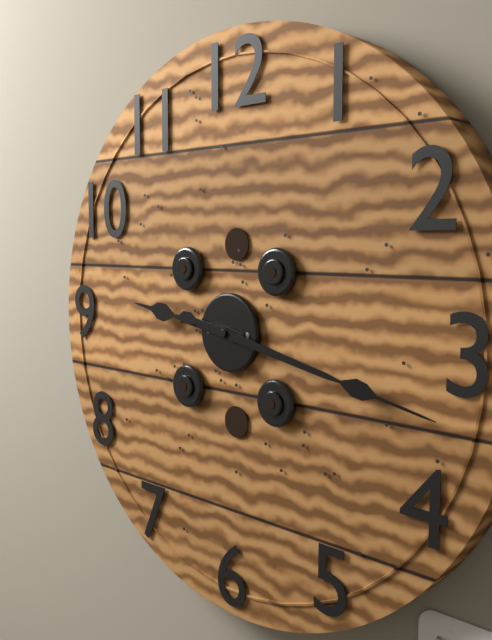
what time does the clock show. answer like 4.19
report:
9.17
